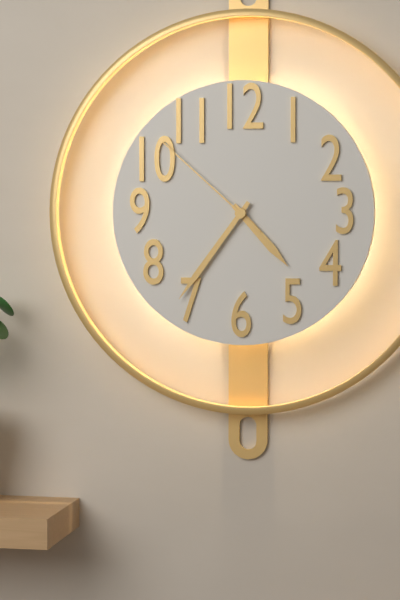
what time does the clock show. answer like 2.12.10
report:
4.36.52
